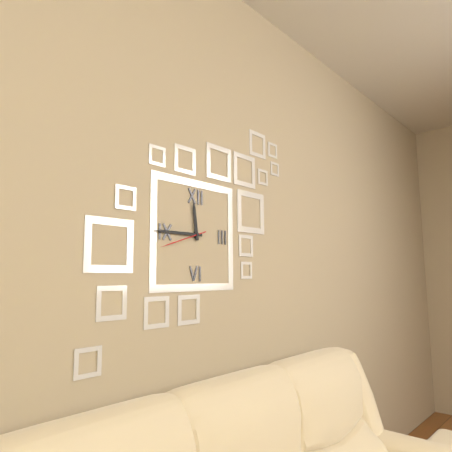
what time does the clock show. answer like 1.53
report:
11.45
